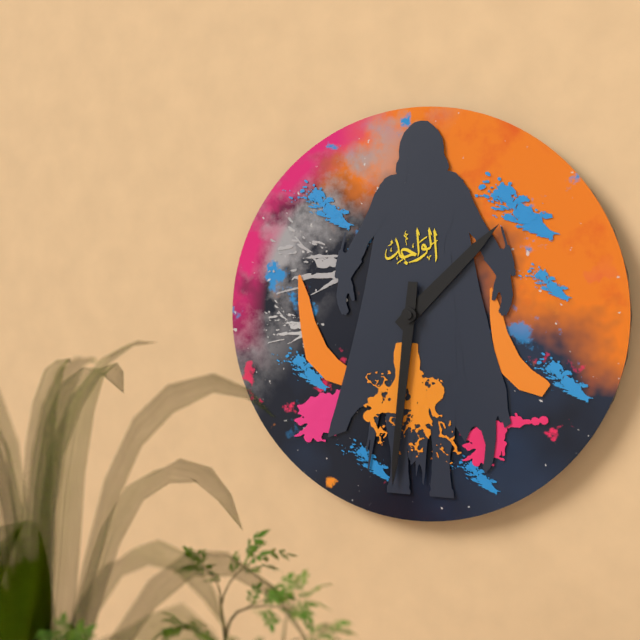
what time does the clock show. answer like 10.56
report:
1.31
